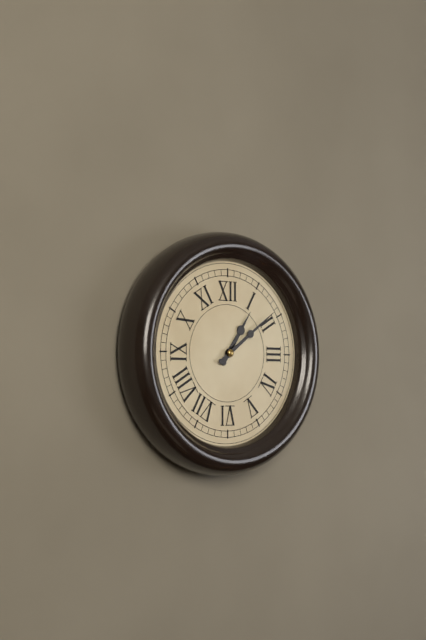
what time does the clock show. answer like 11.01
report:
1.09
